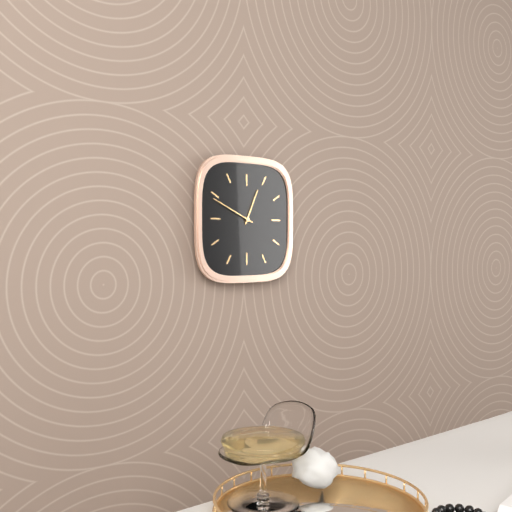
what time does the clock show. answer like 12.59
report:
12.49
